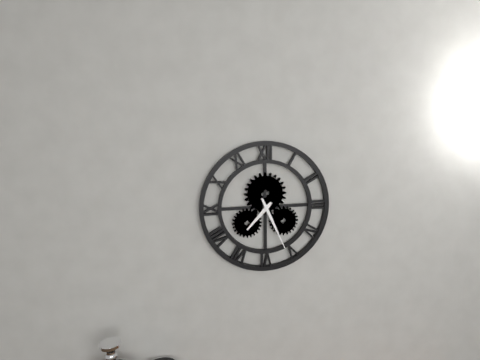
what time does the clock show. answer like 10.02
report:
7.26
